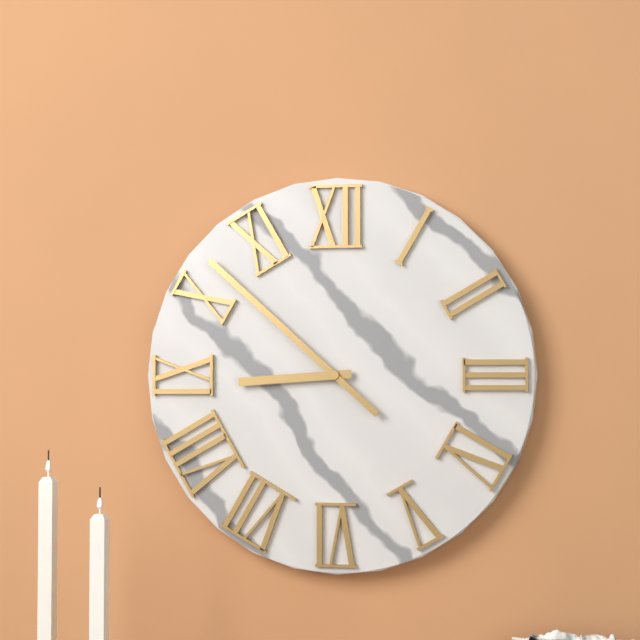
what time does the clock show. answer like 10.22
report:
8.52
